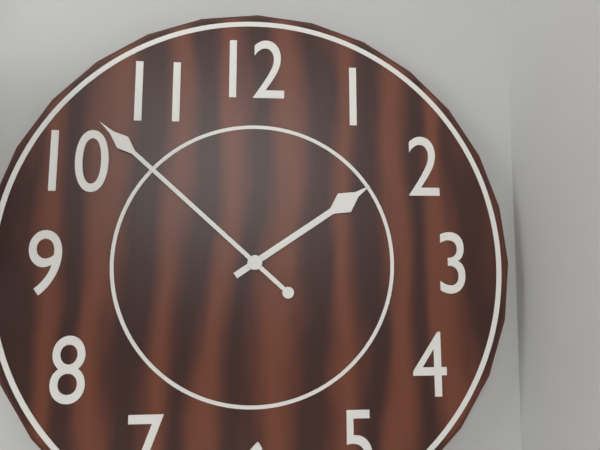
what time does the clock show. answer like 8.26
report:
1.52
